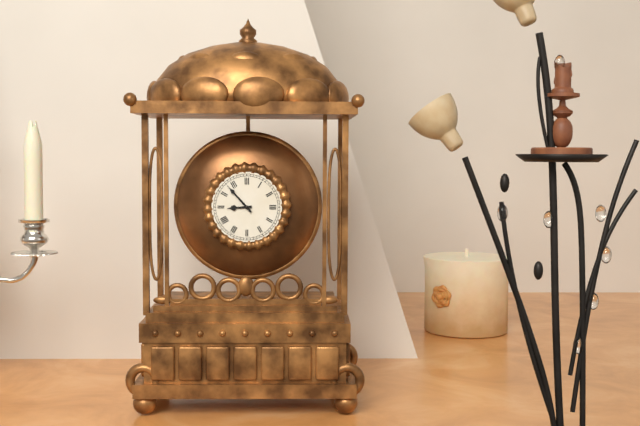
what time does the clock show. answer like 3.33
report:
8.53
